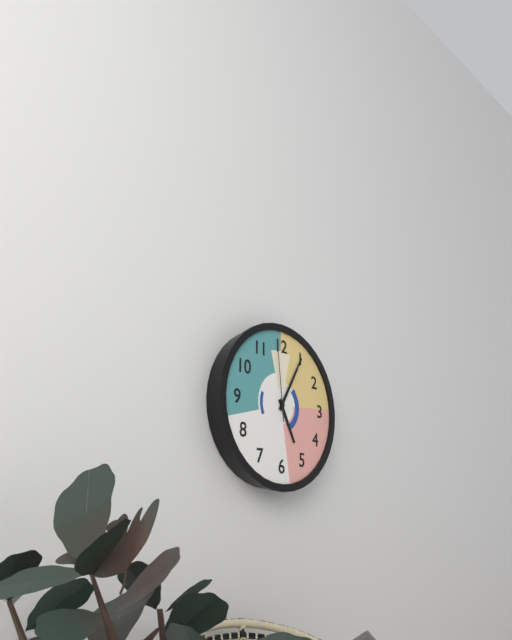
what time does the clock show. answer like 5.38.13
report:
5.05.59
